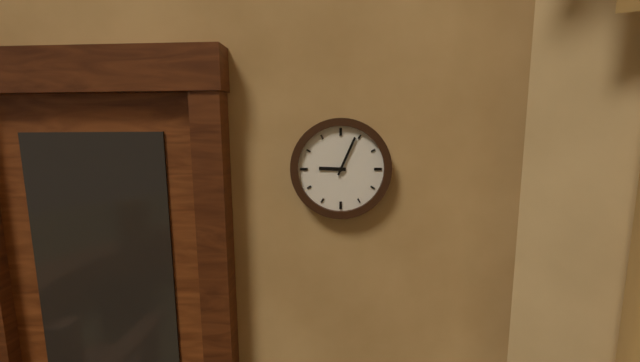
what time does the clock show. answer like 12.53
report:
9.04
